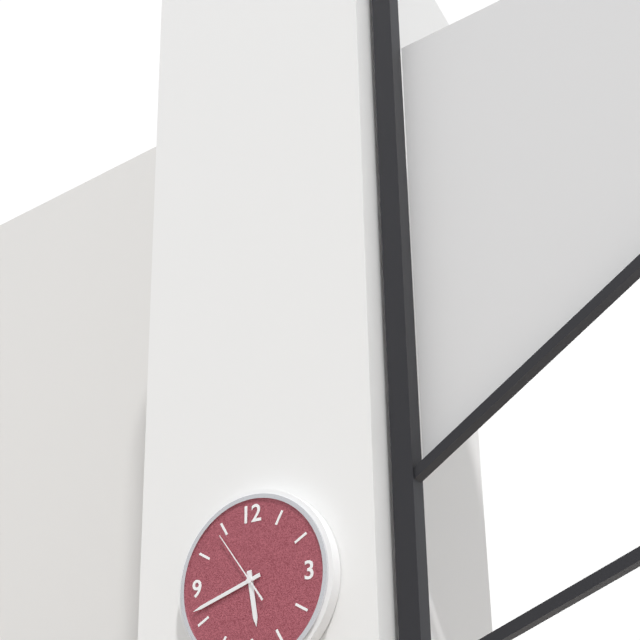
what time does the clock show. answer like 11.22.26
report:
5.42.54
